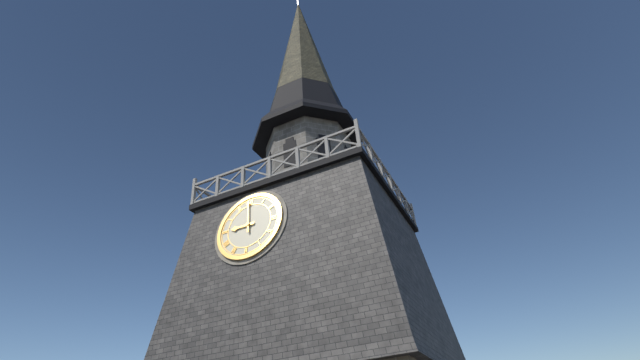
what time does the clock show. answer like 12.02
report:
8.59
